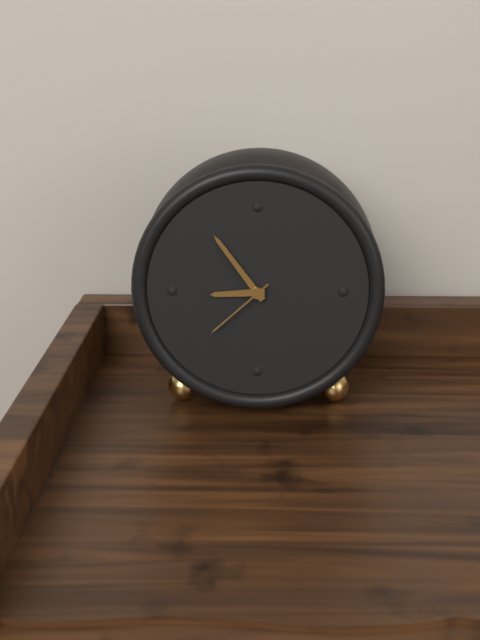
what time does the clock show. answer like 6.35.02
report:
8.54.38
